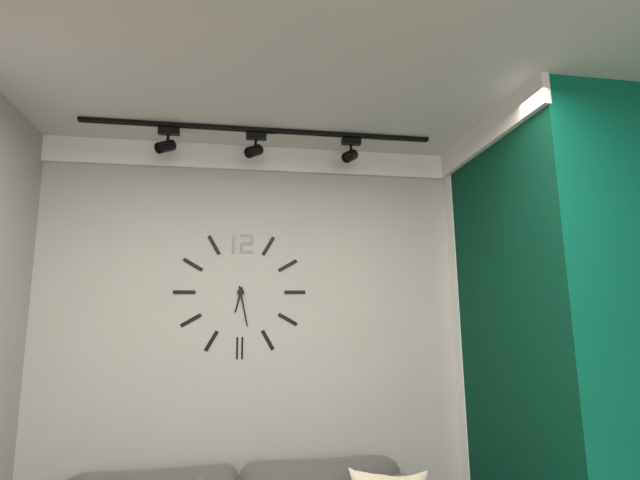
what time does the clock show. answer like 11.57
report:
6.28
